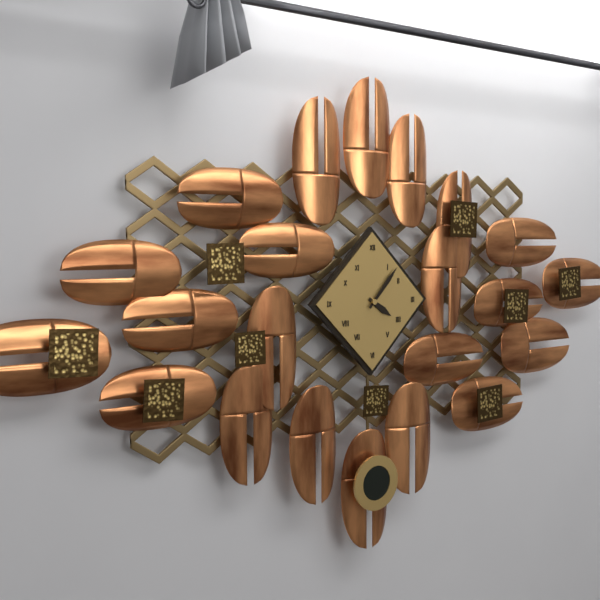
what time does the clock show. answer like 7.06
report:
4.07
